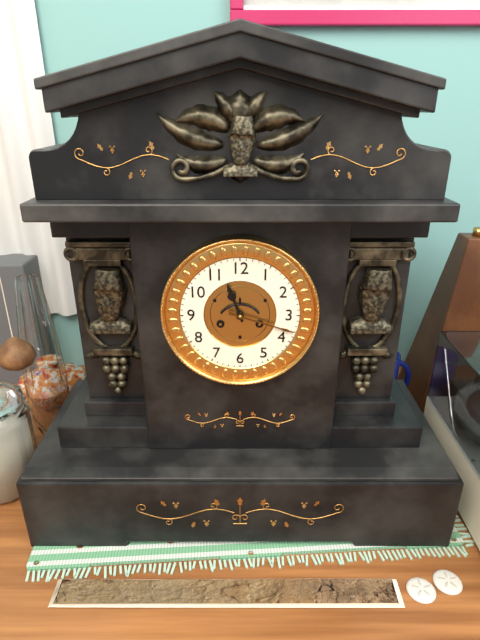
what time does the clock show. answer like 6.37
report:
11.18
